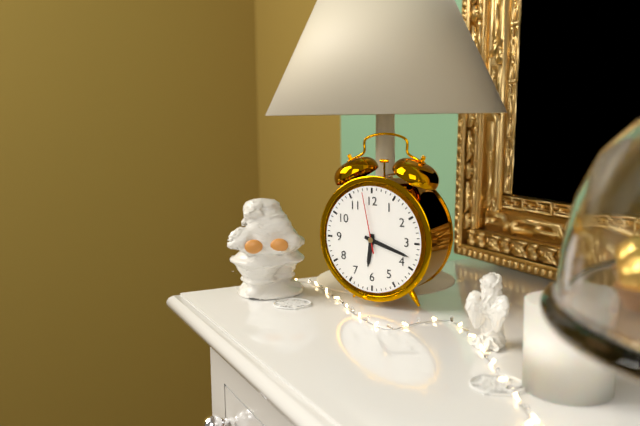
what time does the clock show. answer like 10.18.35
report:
6.18.58
